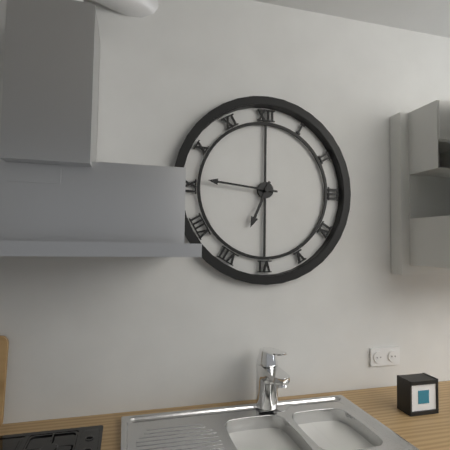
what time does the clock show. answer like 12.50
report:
6.46
